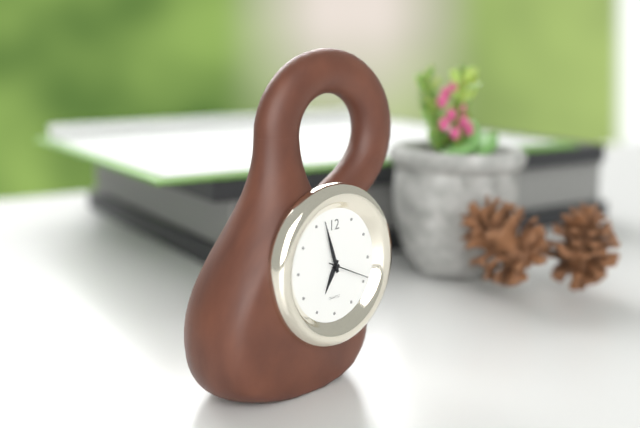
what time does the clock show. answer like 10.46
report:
6.57
